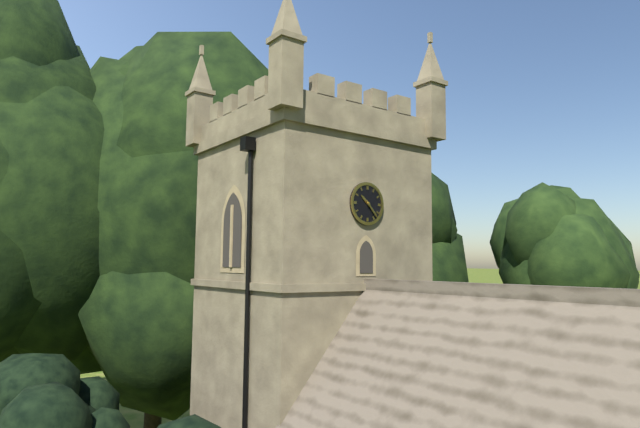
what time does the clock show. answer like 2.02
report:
10.23
